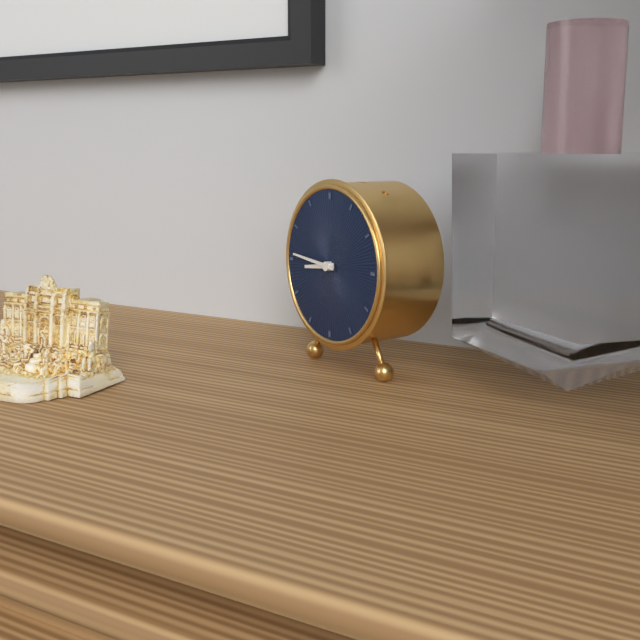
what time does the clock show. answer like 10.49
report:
8.46
